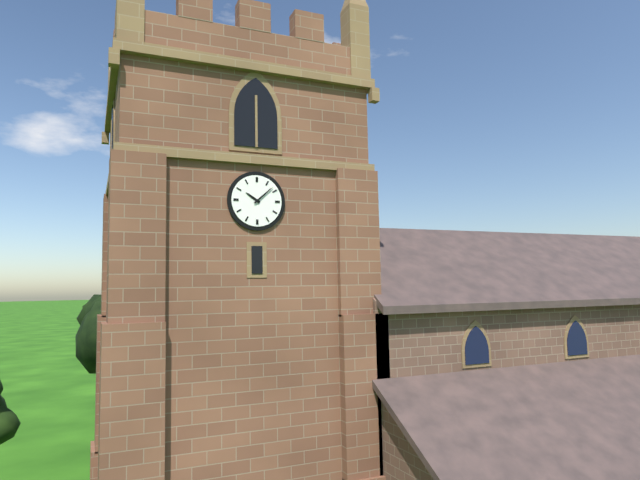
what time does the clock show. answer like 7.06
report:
10.08
